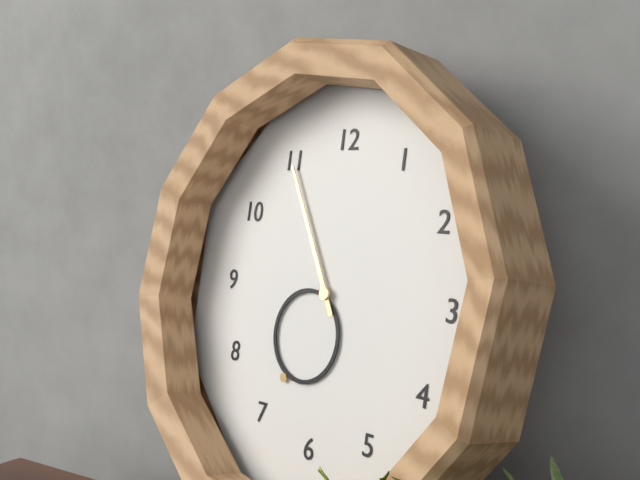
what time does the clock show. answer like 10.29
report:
6.55
